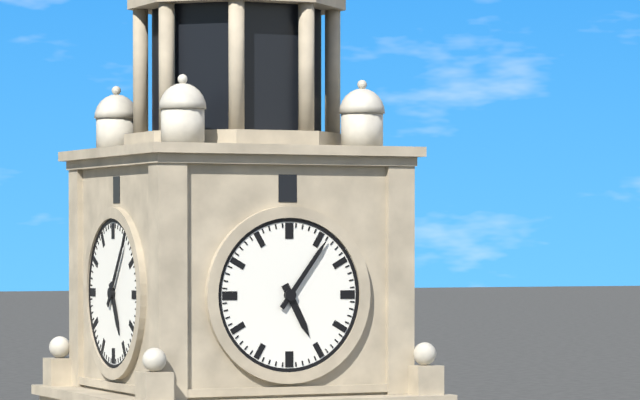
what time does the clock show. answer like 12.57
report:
5.06
